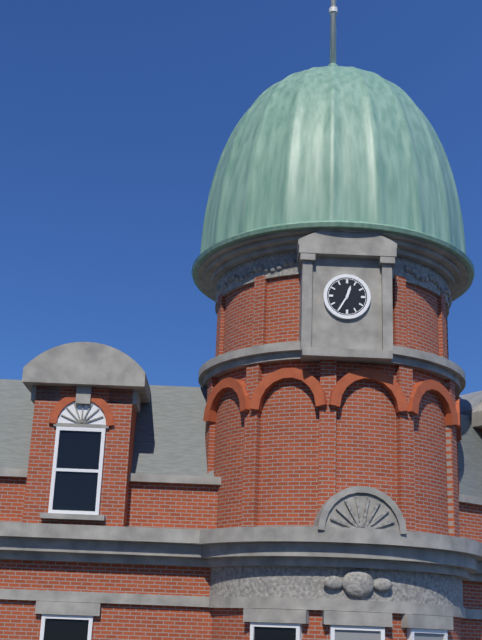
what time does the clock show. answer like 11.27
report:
12.35
